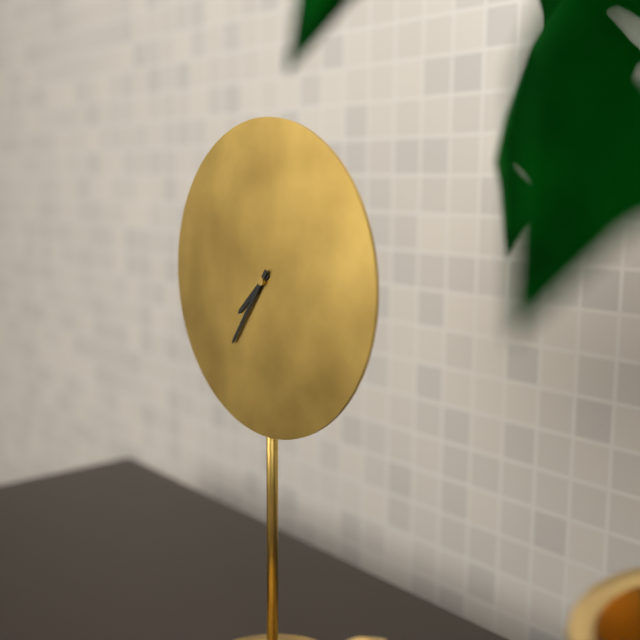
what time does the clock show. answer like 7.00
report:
7.36
